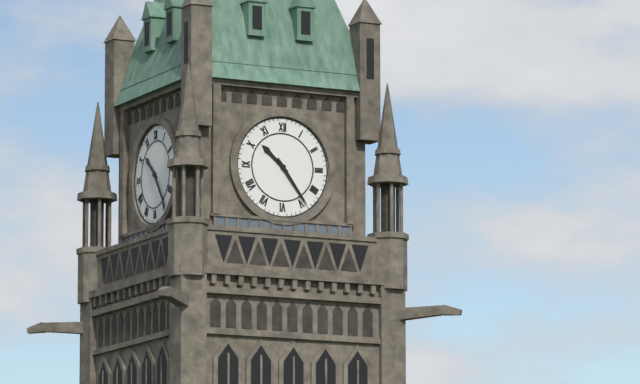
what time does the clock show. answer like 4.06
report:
10.24
